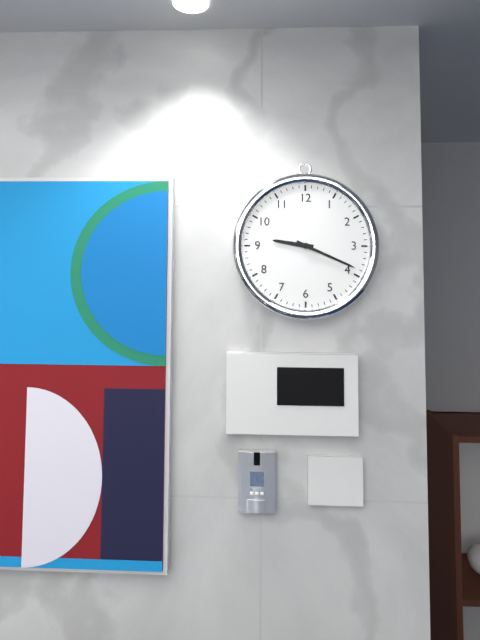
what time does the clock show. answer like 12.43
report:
9.19
